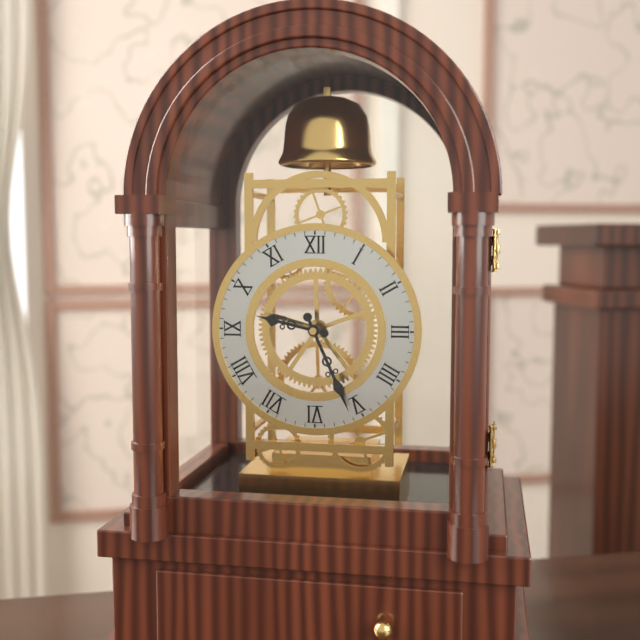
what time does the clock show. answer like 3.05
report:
9.26
